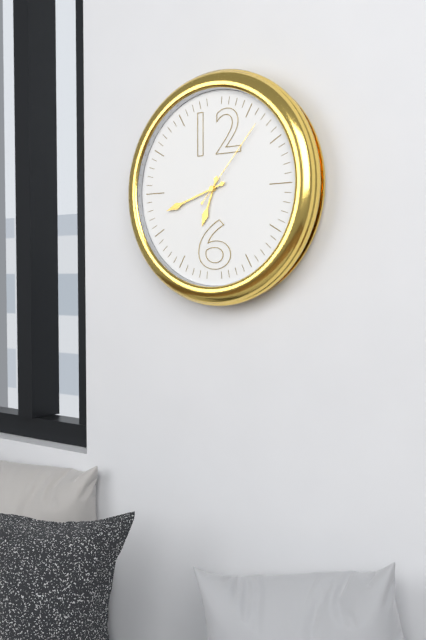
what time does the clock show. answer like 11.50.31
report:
6.42.07
